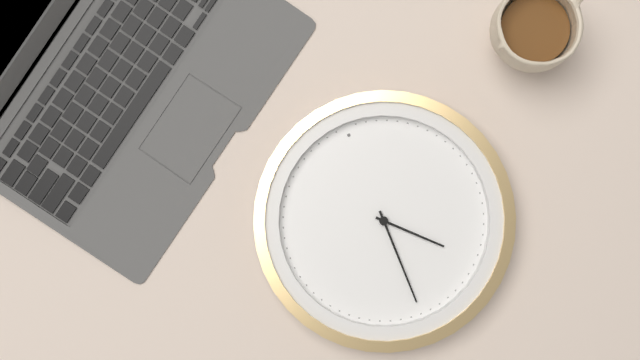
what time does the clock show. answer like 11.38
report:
4.30
